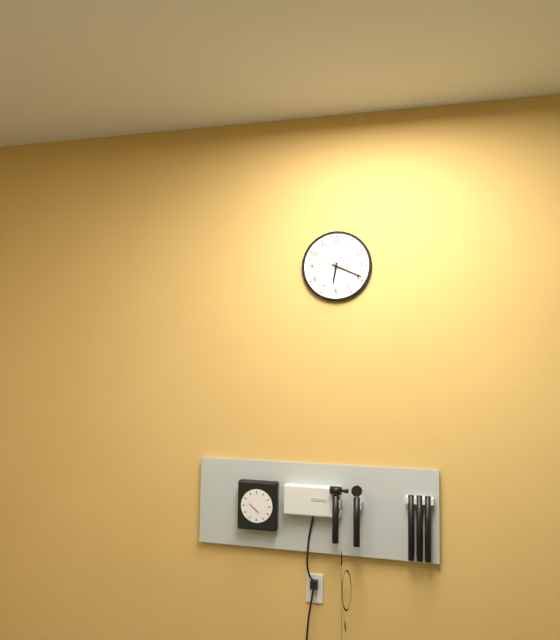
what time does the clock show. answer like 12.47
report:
6.19
